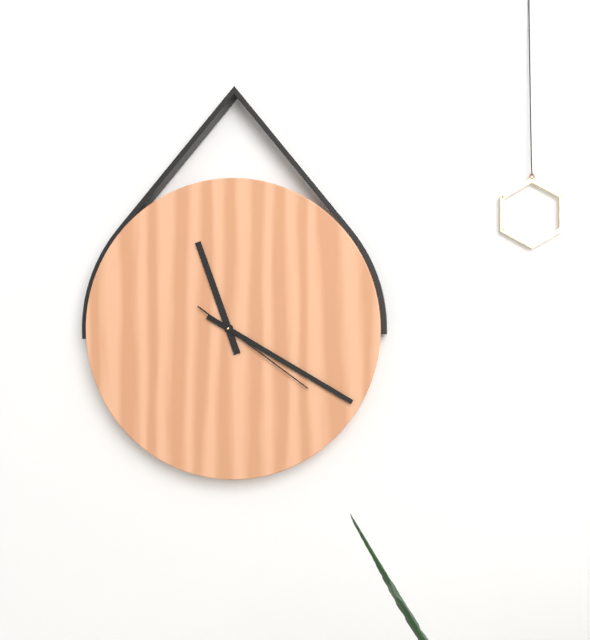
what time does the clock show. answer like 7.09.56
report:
11.20.21
